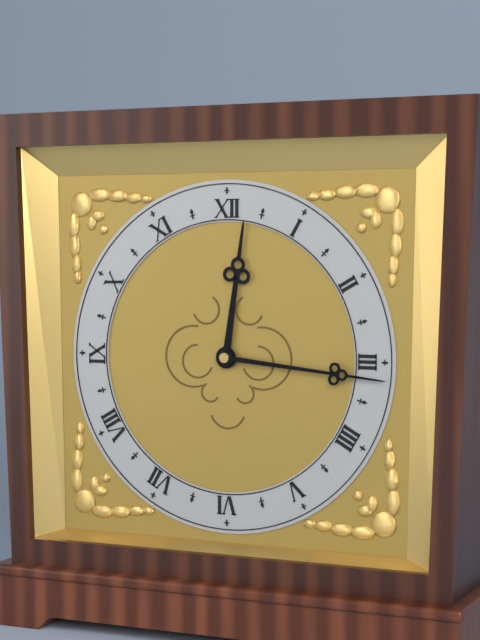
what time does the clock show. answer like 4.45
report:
12.16
